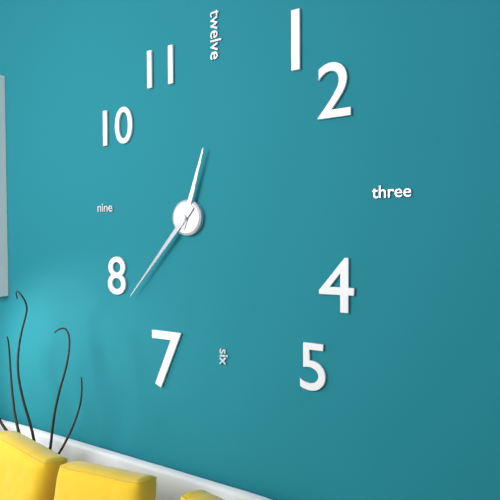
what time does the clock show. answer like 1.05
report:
12.37
